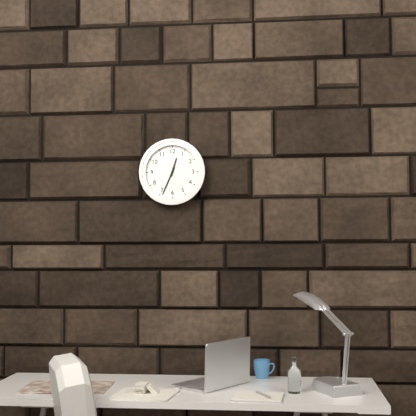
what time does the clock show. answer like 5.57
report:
12.34
